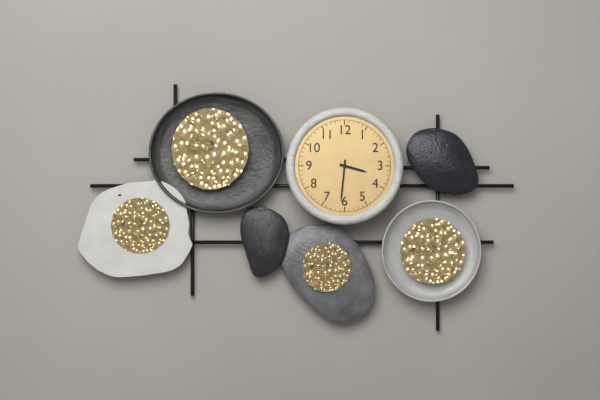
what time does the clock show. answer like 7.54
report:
3.31
